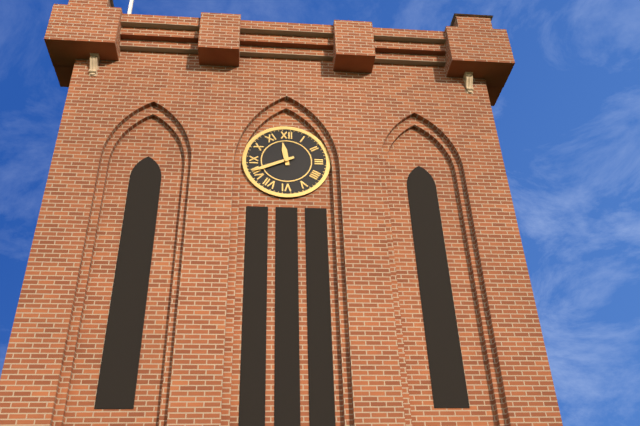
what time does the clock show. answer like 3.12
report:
11.41
